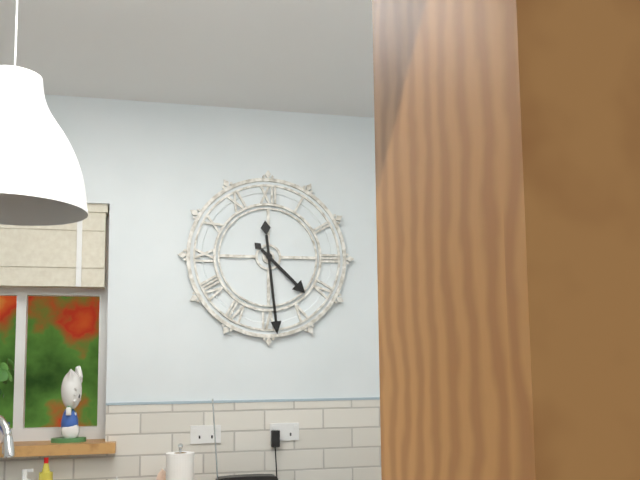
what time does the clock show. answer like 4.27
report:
4.29
